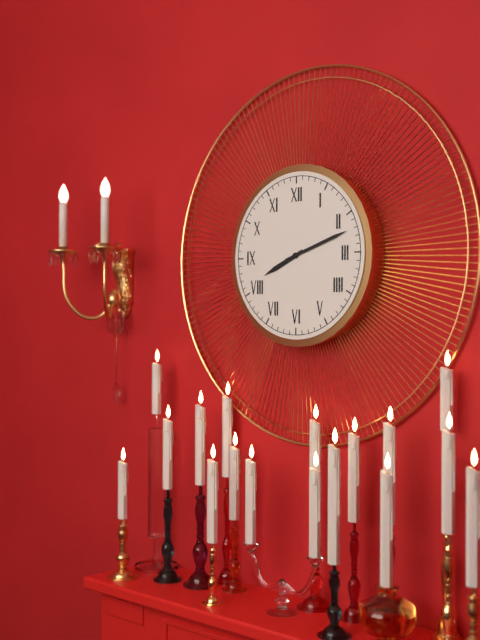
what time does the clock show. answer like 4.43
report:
8.12
